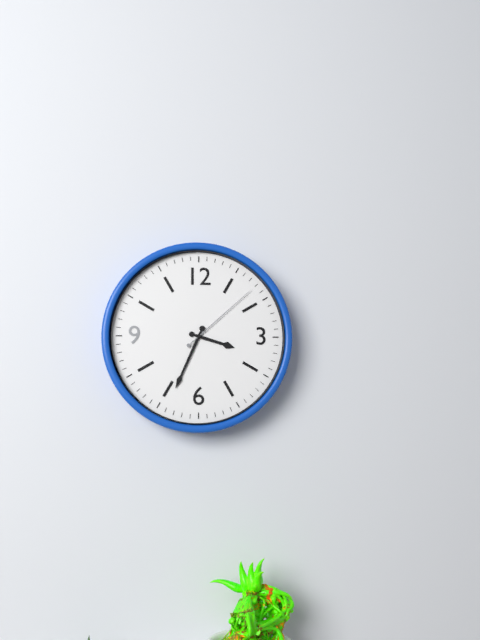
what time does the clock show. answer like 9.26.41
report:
3.34.08
